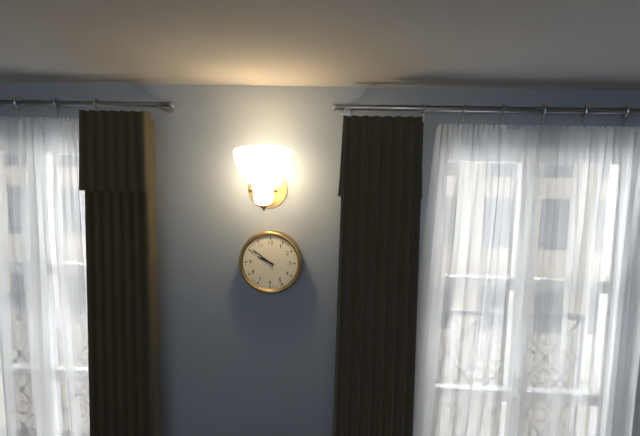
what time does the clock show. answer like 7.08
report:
9.51
